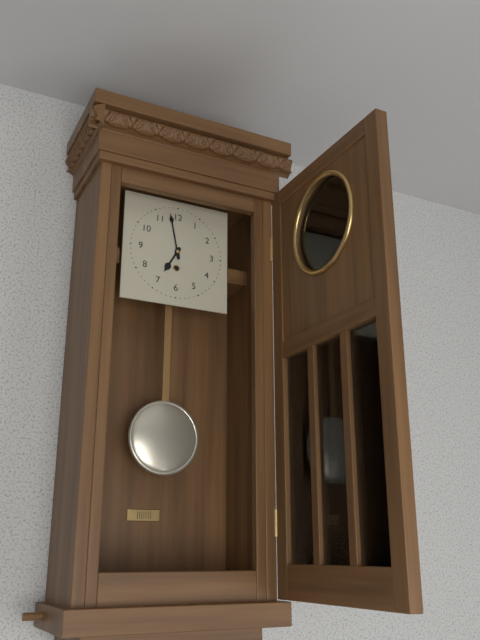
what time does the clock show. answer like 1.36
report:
6.58
